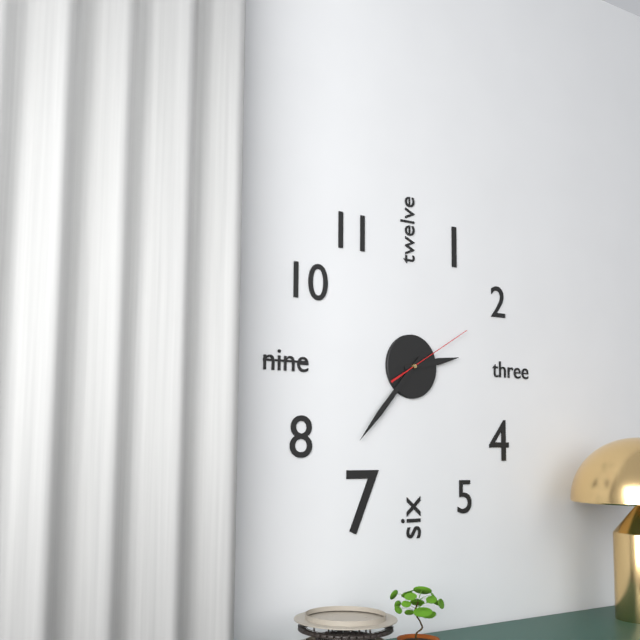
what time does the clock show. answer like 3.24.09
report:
2.37.10
